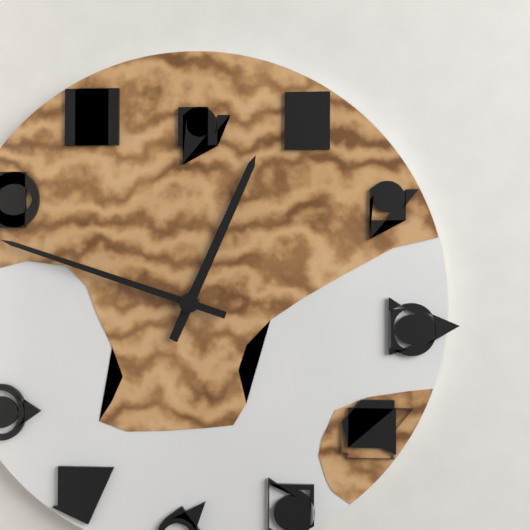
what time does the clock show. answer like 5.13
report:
12.48
